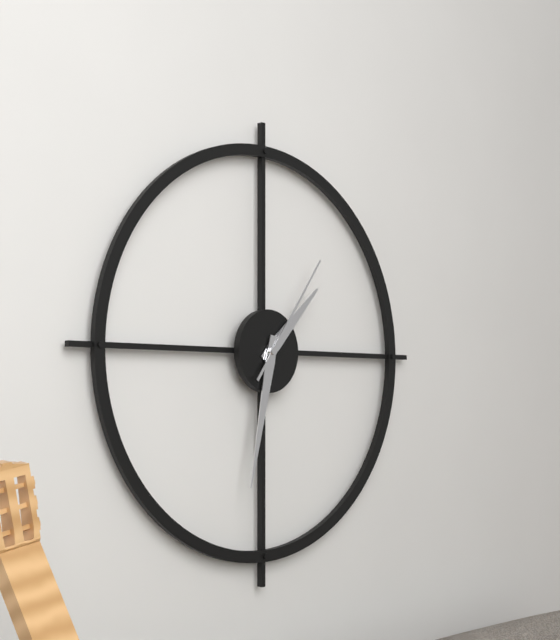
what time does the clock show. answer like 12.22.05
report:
1.32.06
